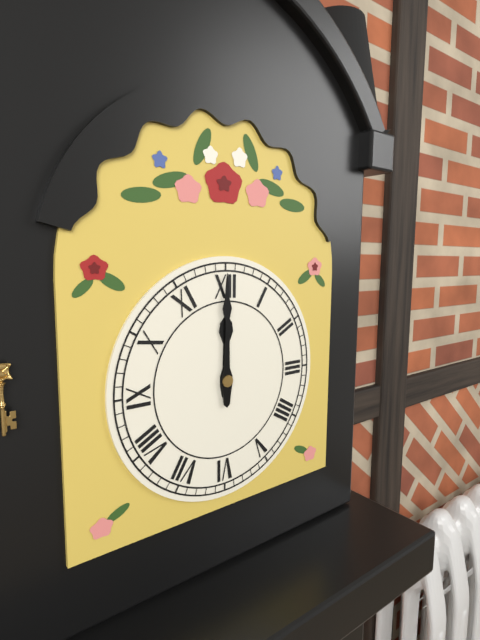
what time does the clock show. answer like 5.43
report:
12.00
